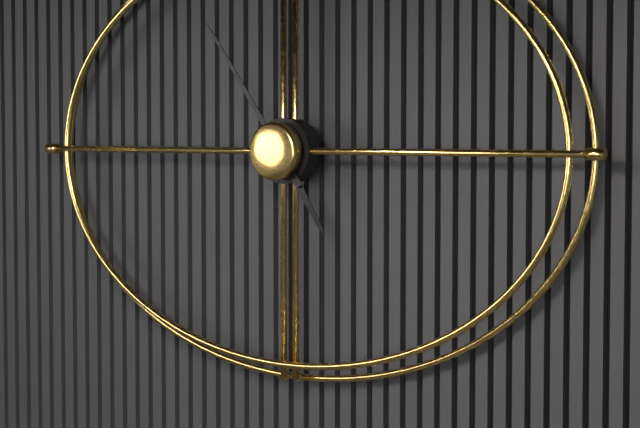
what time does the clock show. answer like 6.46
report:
4.54
